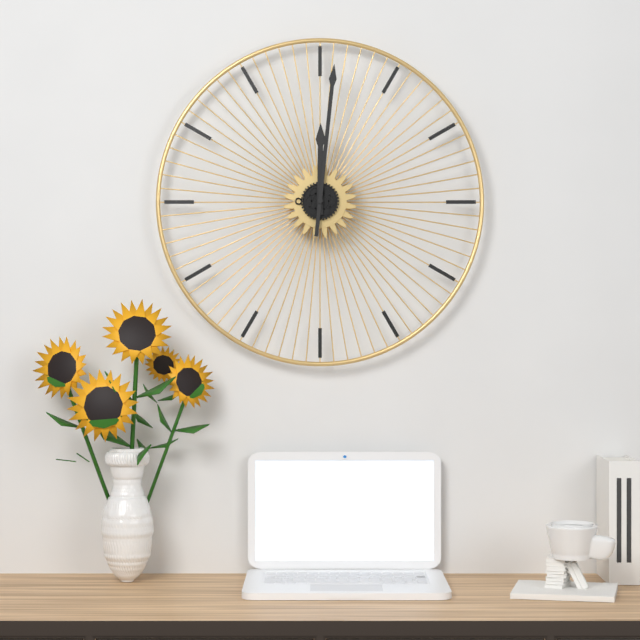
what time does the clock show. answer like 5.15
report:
12.01
